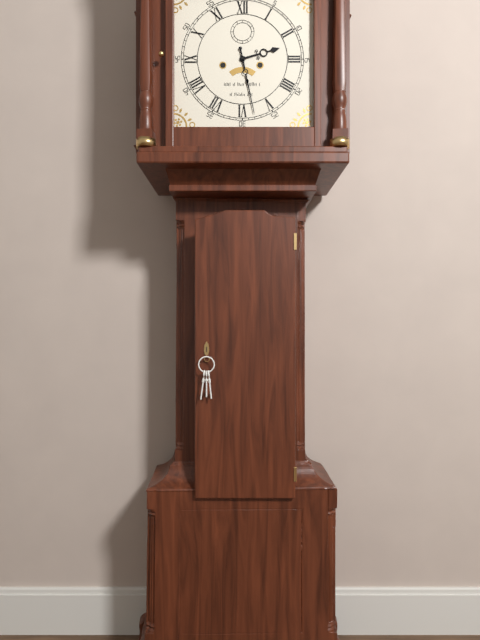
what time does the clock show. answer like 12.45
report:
2.28
